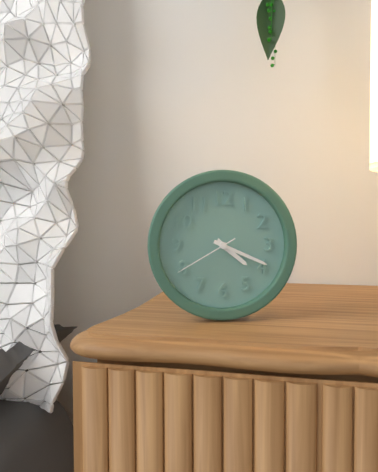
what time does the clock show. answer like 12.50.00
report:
4.19.40
